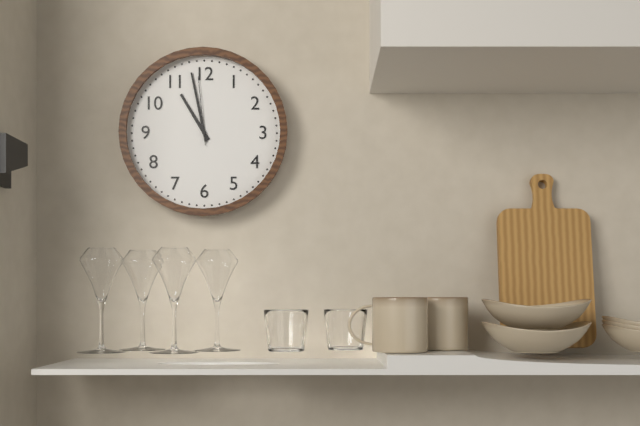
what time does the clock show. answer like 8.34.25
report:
10.58.59
